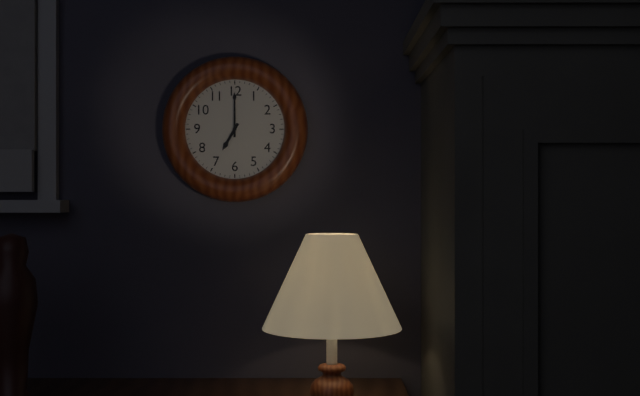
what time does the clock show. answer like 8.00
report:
7.00
